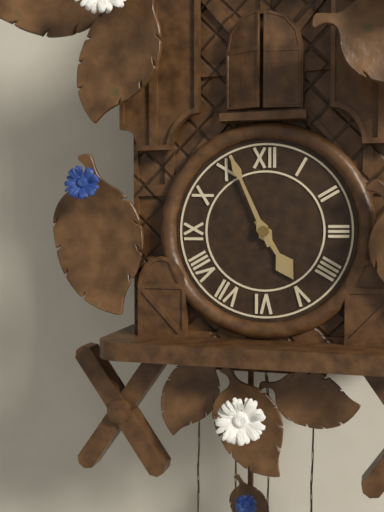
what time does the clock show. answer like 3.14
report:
4.56
